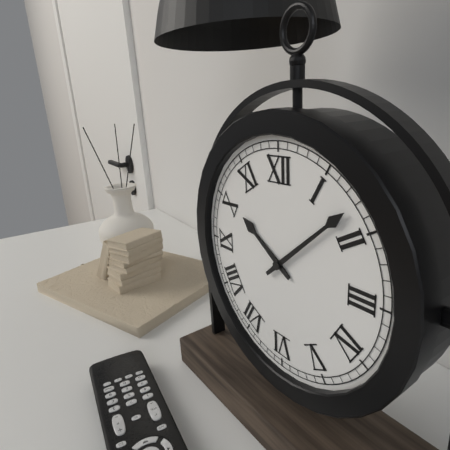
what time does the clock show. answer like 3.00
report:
10.08
